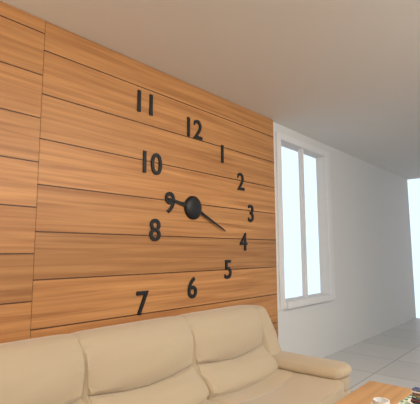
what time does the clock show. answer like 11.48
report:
9.19
